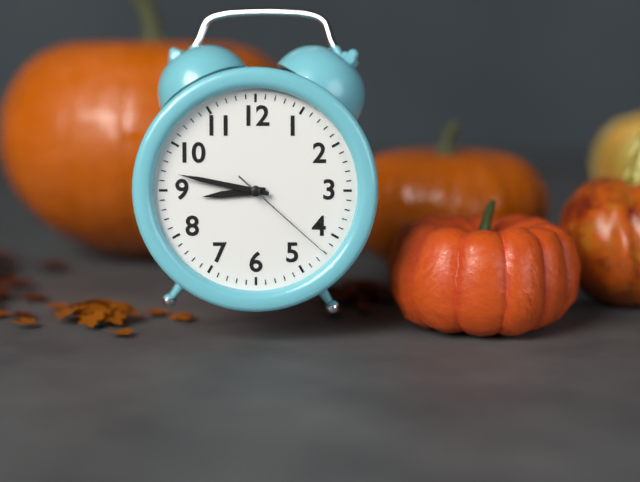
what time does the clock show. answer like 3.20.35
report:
8.47.22
